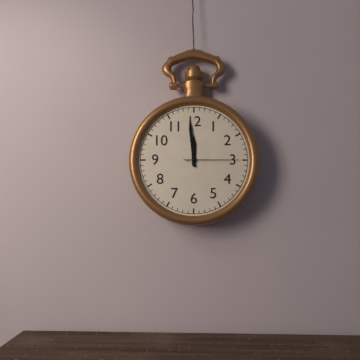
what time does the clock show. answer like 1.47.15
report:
11.59.15
